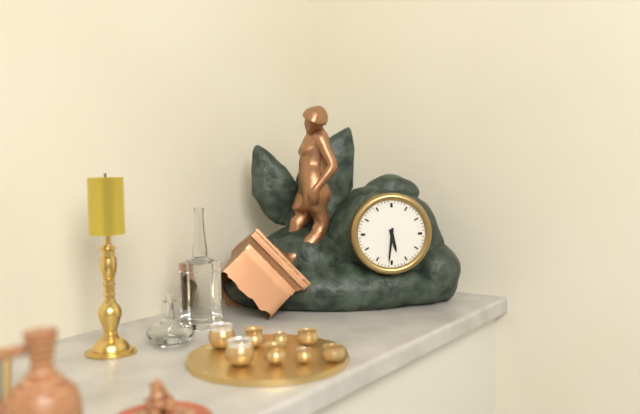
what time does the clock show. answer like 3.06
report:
5.31
